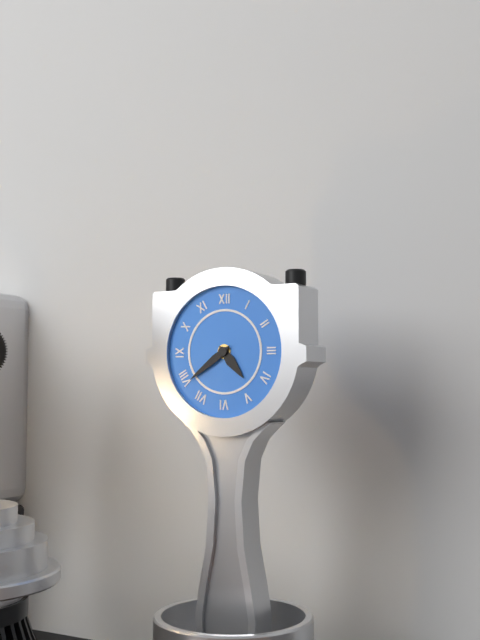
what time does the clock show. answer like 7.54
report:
4.39
